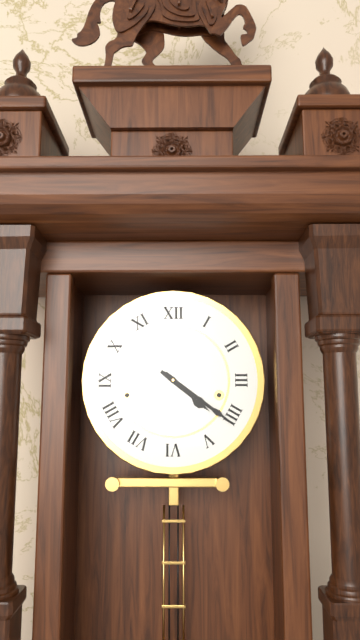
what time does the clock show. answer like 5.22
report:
4.21
